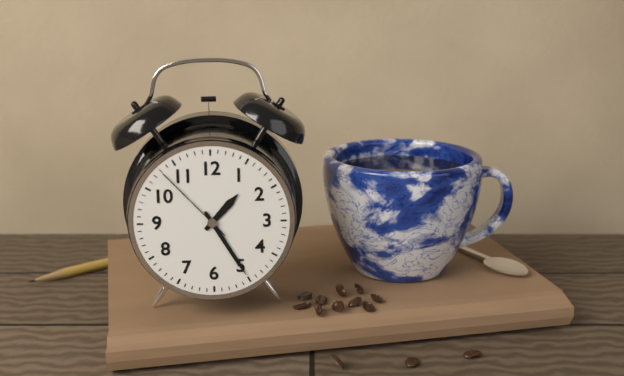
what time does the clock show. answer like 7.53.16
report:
1.25.53
